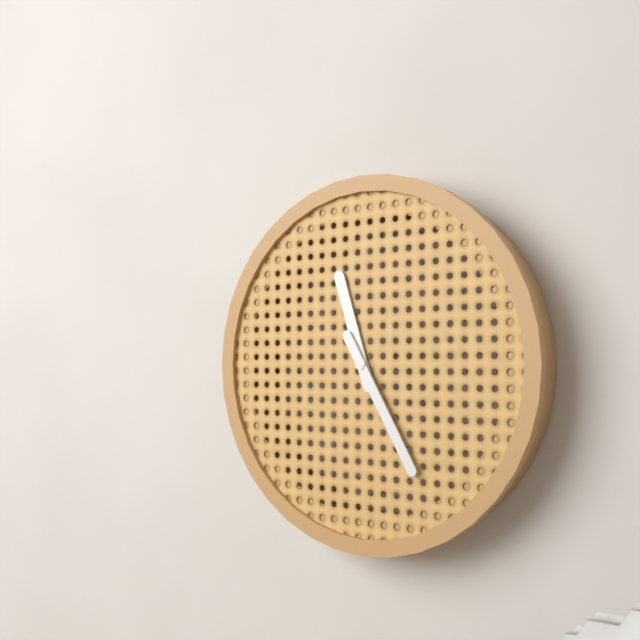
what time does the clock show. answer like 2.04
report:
11.25
